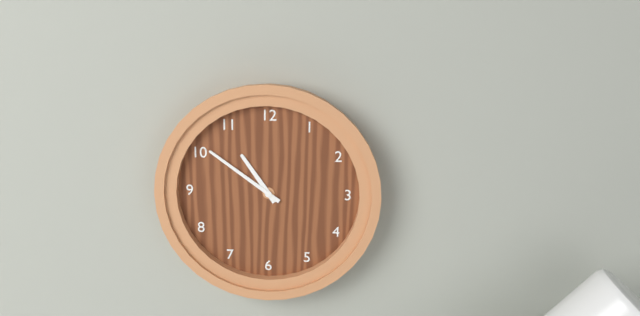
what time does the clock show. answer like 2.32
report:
10.51
